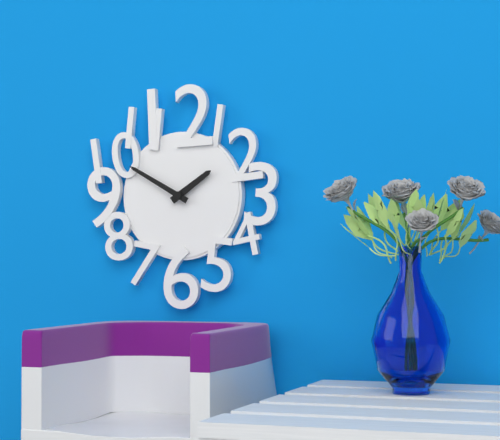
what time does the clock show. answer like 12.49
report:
1.50
